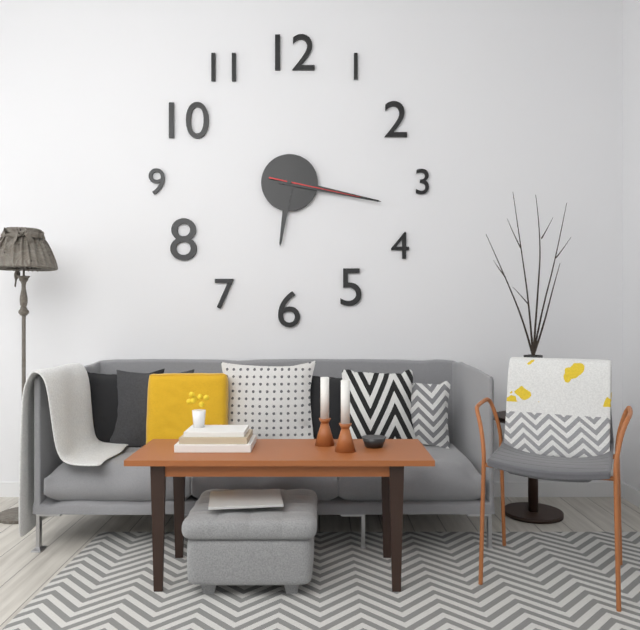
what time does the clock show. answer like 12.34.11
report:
6.17.17
